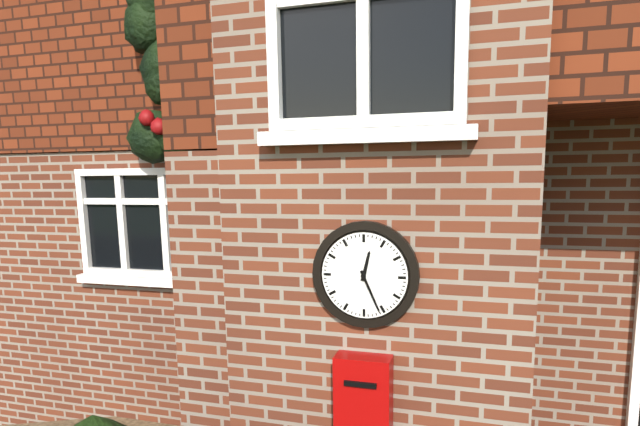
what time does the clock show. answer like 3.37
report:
12.26
